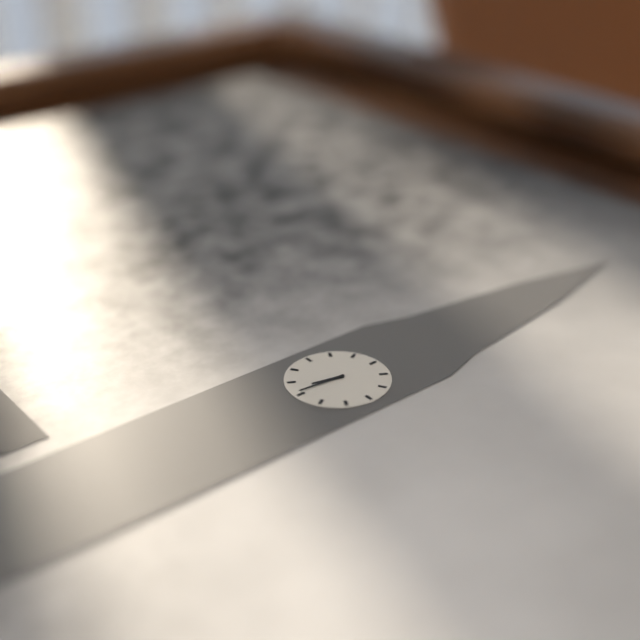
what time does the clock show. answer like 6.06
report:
6.31
